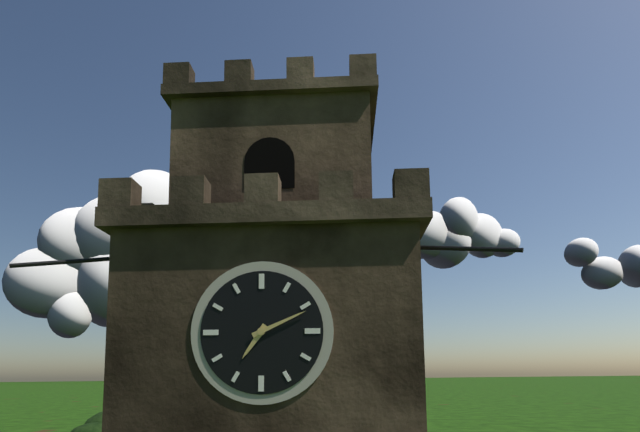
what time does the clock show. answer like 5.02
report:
7.11
